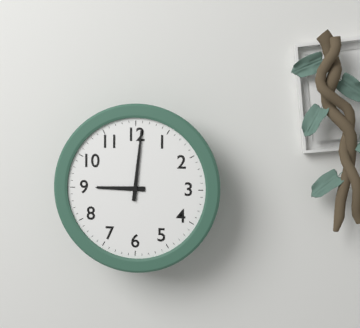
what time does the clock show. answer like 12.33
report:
9.01
